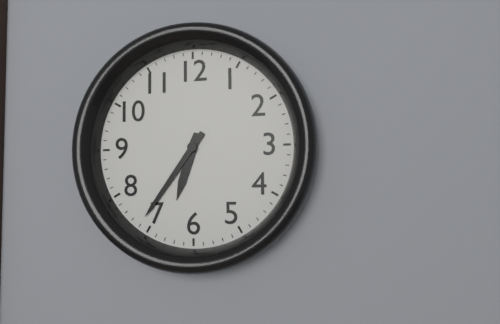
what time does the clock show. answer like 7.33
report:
6.36
